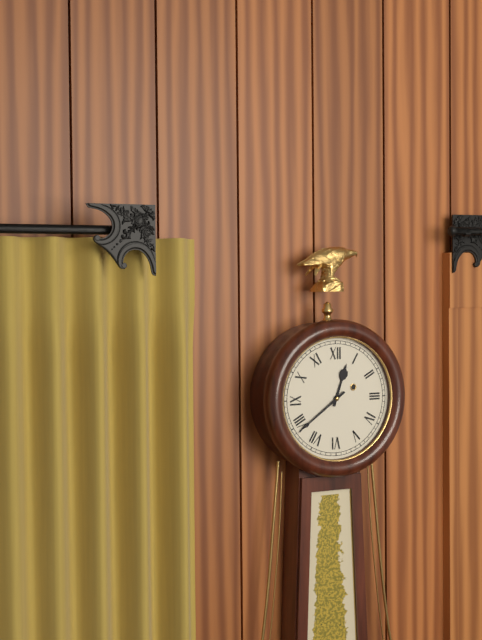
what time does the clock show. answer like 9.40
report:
12.39
